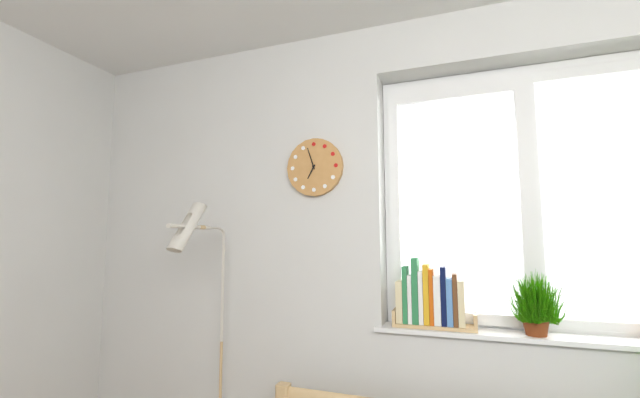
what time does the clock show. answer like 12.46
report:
6.57
